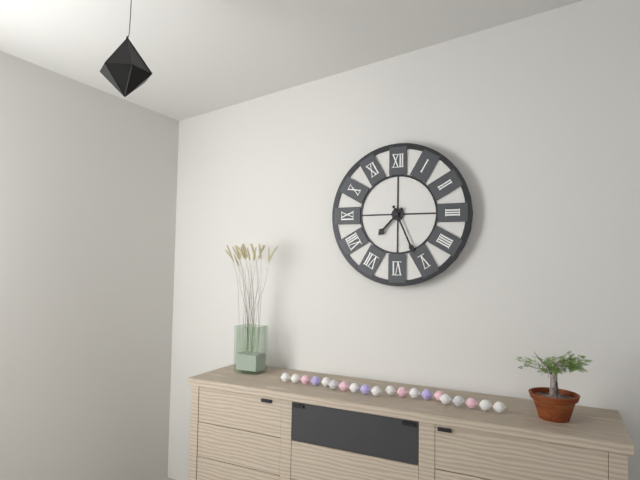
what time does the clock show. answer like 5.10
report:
7.26
